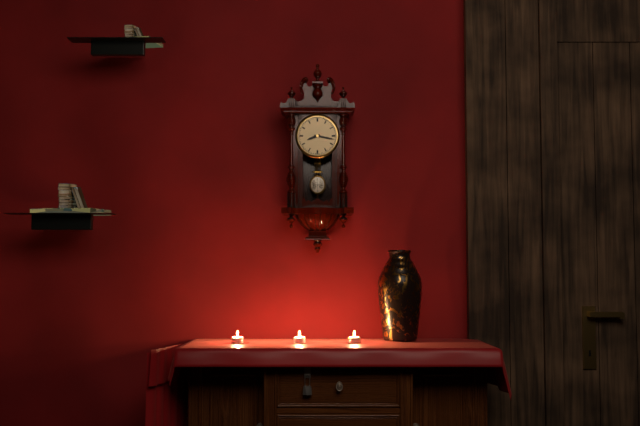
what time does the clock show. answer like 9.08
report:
8.17
